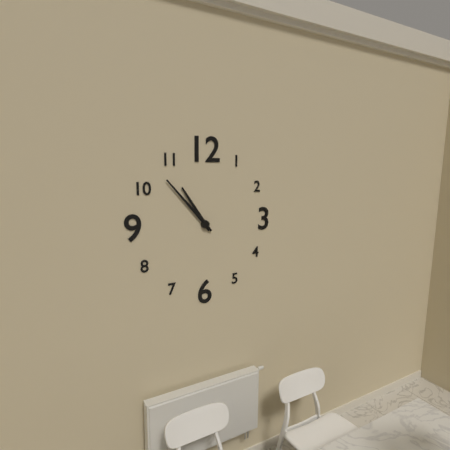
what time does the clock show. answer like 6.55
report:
10.53
